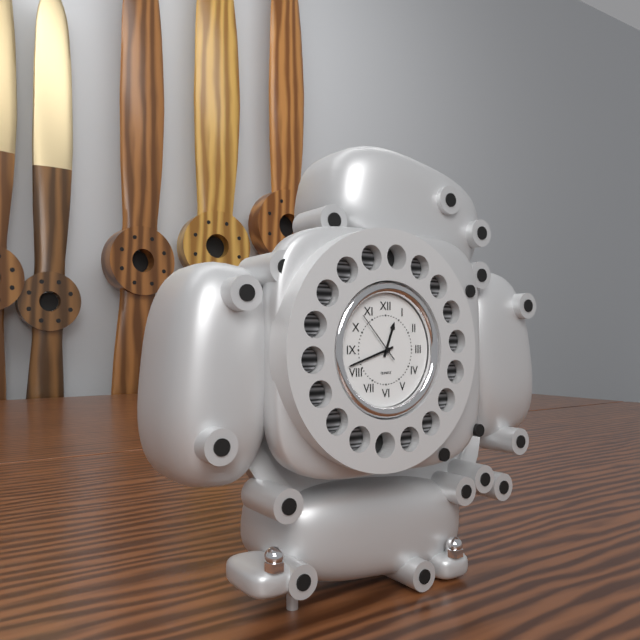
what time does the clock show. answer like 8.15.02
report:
12.42.53
